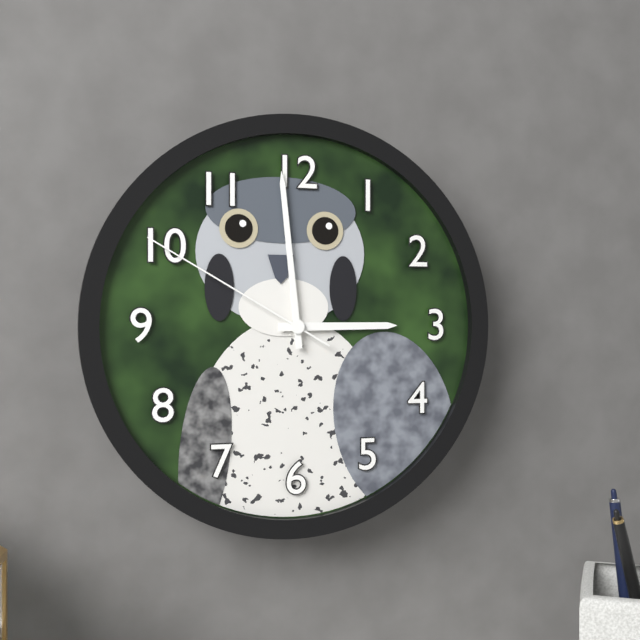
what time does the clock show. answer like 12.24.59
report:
2.59.50
